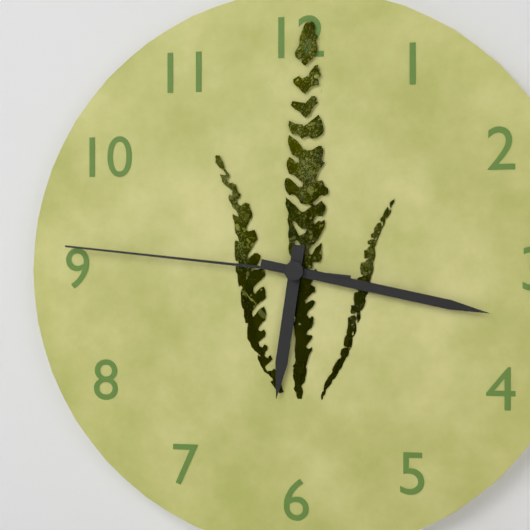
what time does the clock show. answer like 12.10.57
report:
6.17.46
